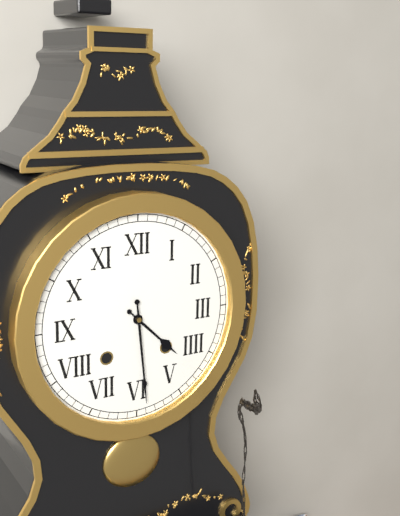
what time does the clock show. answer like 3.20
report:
4.29
